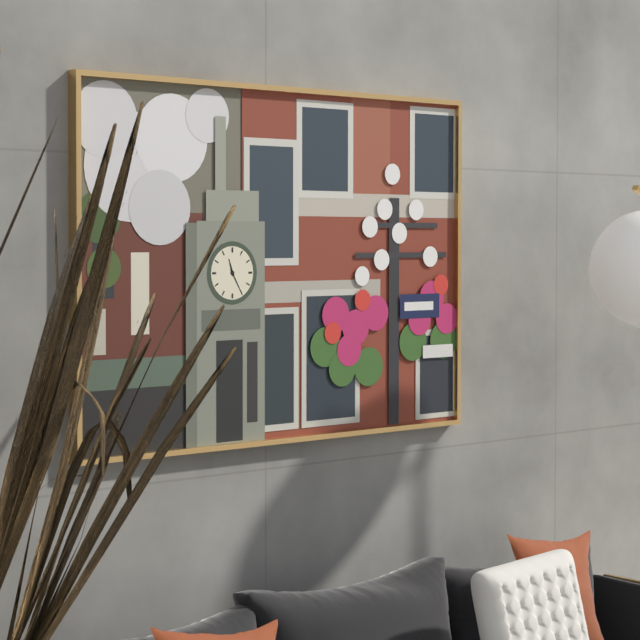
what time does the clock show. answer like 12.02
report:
11.25
